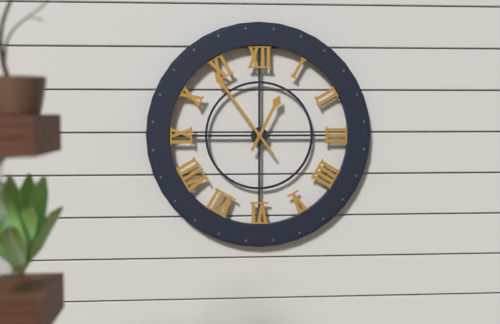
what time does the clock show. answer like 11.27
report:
12.54
